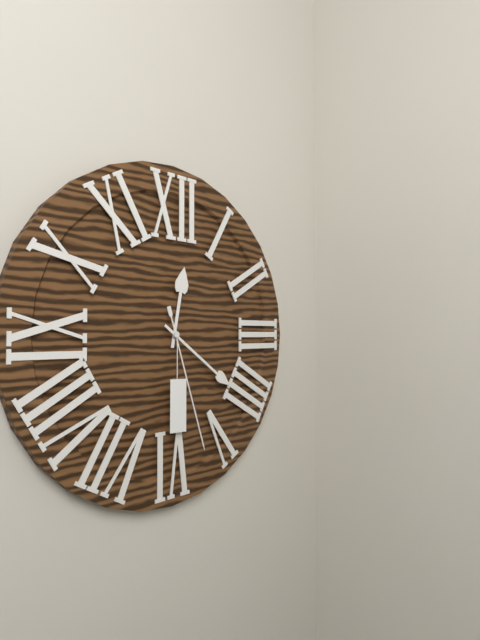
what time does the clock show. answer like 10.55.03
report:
12.21.27
